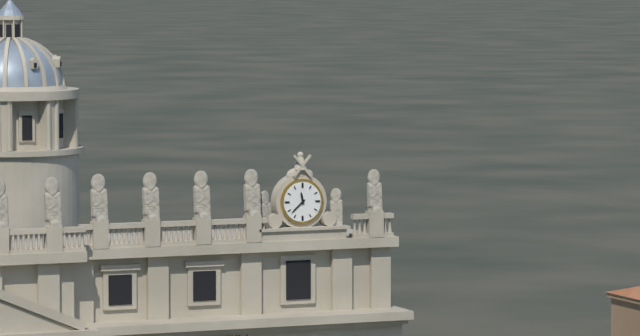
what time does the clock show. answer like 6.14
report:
11.38
